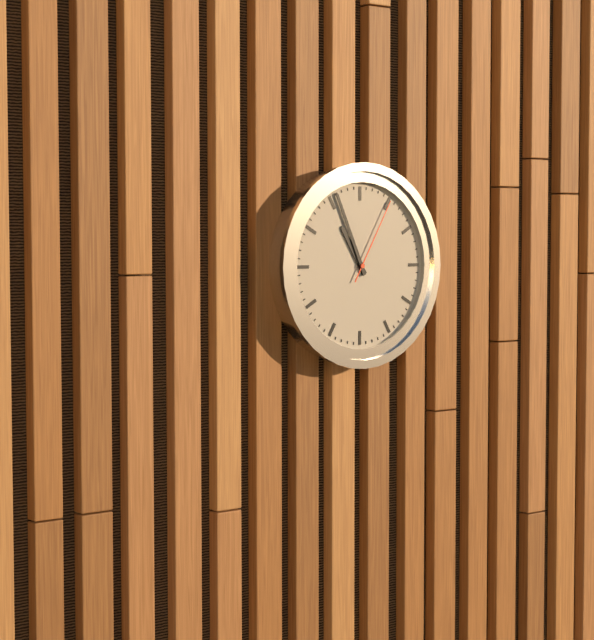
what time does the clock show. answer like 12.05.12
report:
10.56.05
